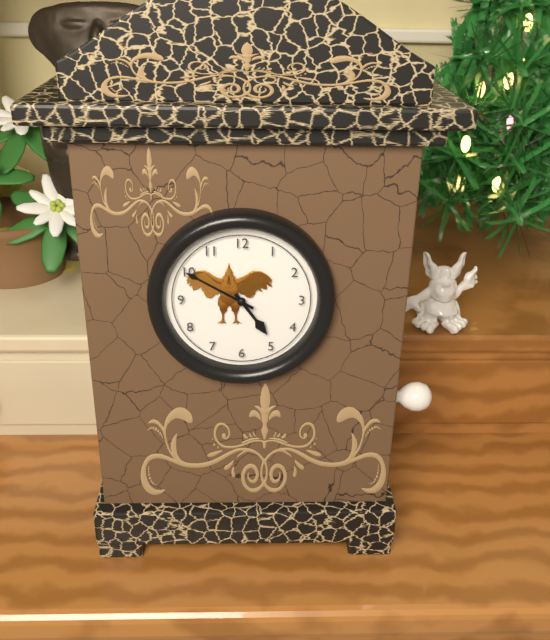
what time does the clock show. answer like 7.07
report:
4.50
